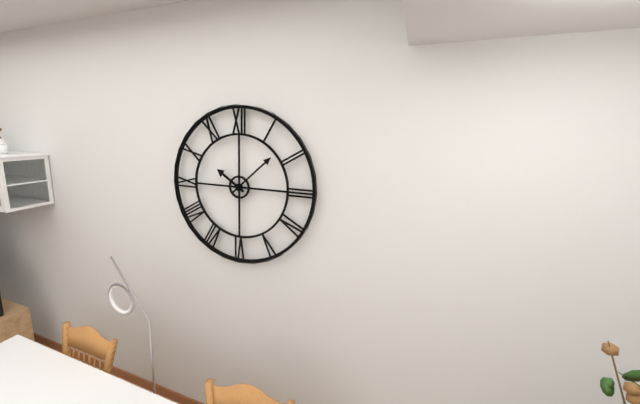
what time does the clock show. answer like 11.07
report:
10.08
